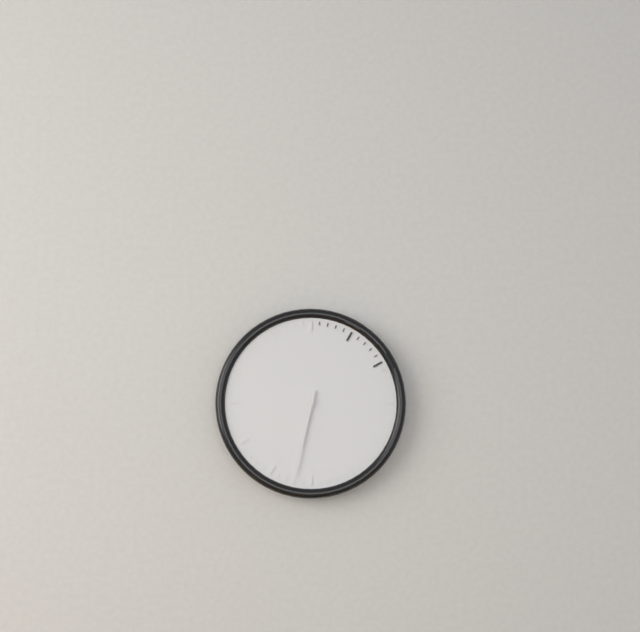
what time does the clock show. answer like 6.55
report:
6.32
